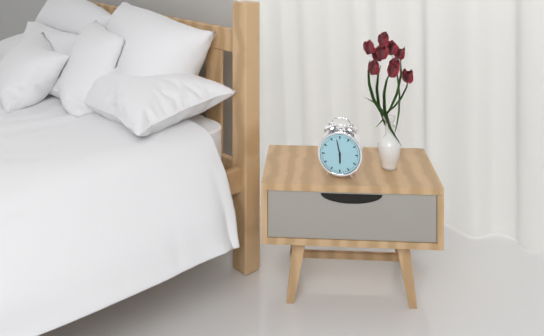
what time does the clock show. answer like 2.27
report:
5.58
